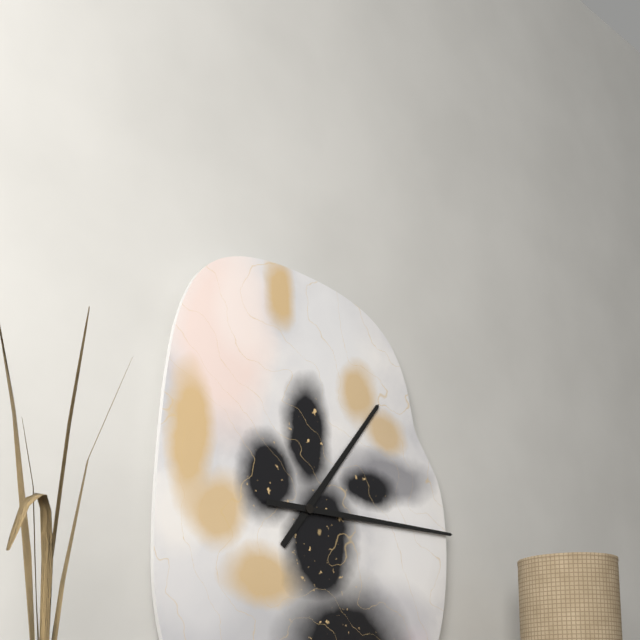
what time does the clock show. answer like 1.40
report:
1.15
